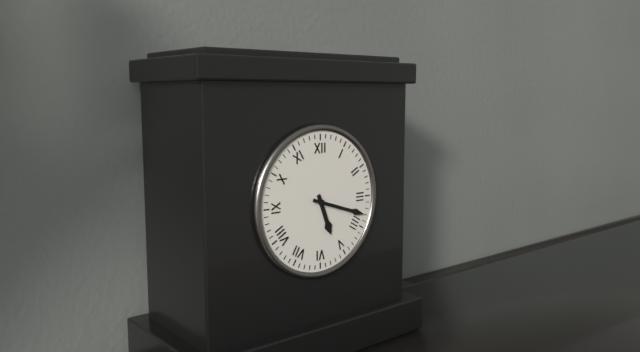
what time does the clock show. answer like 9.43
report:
5.18
